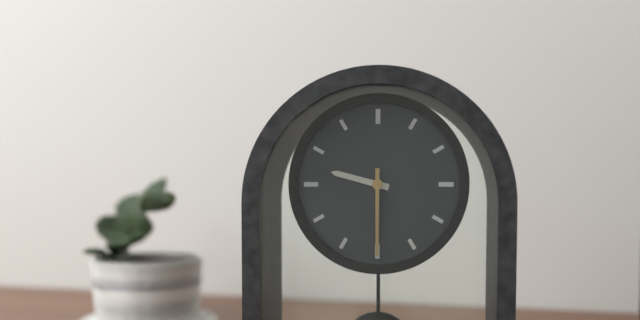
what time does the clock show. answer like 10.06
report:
9.30
